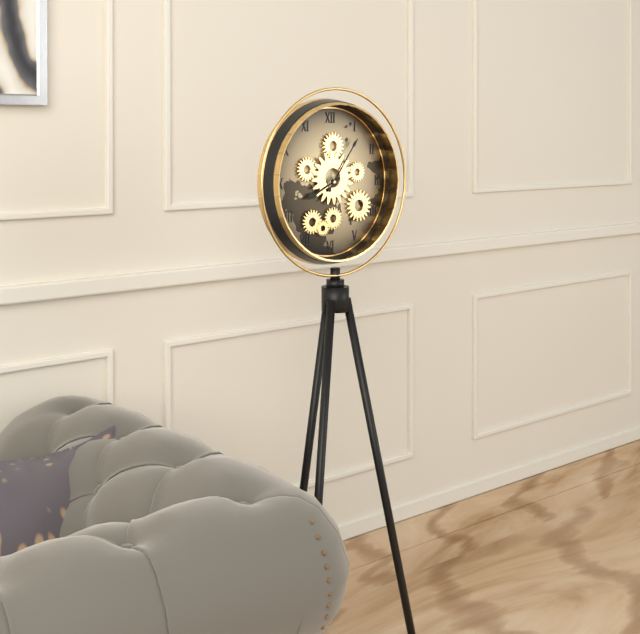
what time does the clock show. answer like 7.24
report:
8.06
